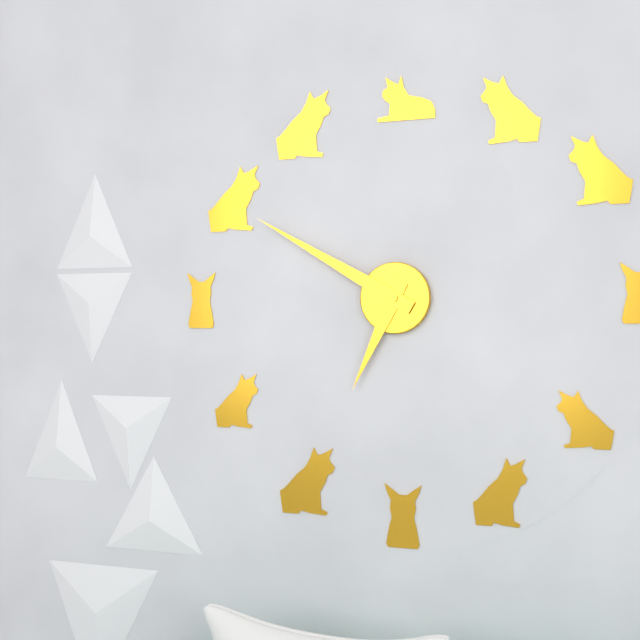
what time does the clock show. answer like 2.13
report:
6.50
